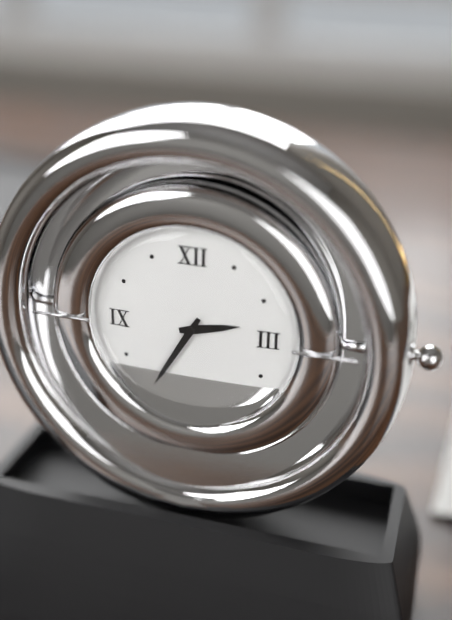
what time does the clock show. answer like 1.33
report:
2.35
